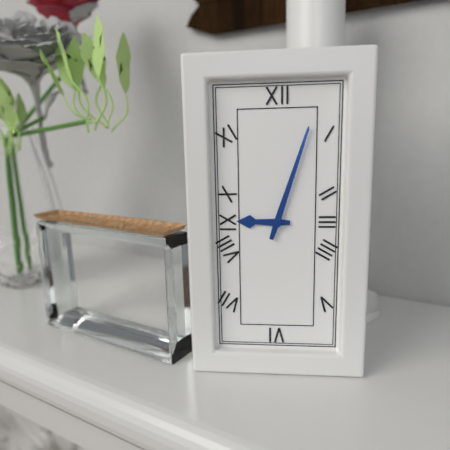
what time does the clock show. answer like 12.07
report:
9.03
